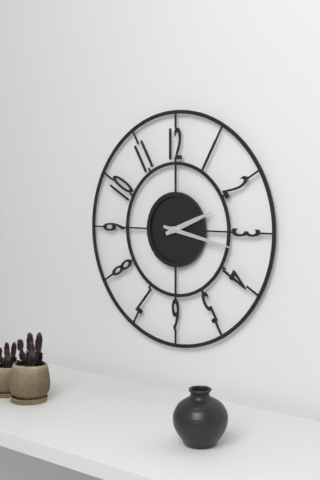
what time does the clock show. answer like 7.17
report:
2.17
